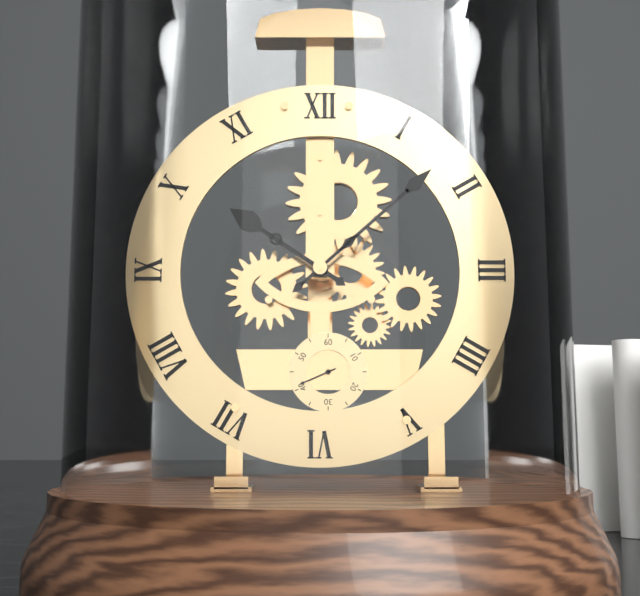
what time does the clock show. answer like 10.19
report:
10.08
